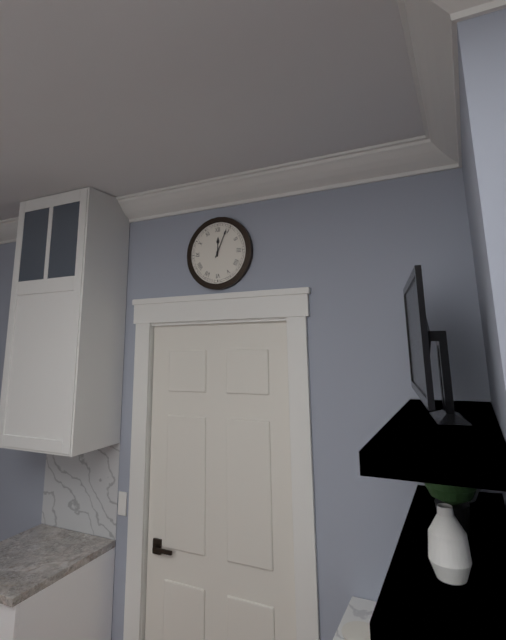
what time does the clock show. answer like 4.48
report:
12.04
